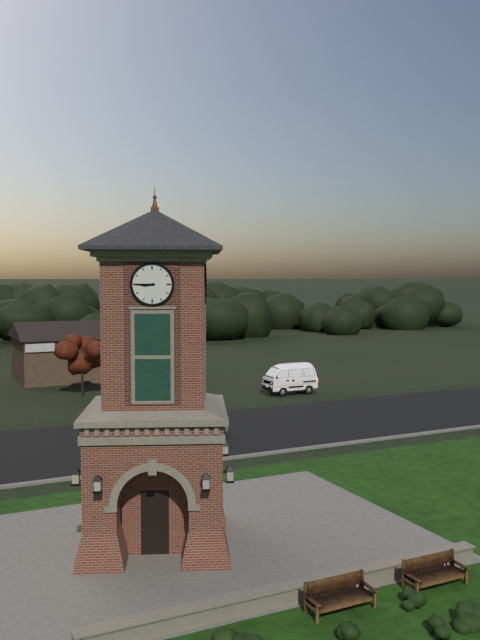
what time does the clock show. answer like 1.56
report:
8.45
